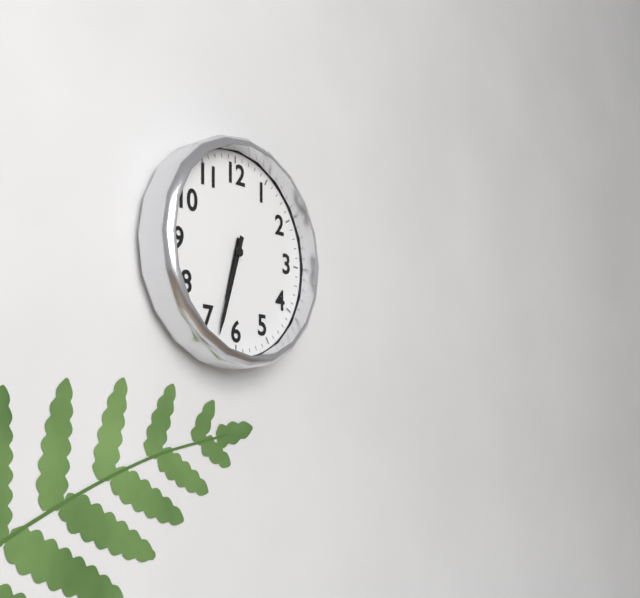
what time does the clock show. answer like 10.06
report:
6.33
